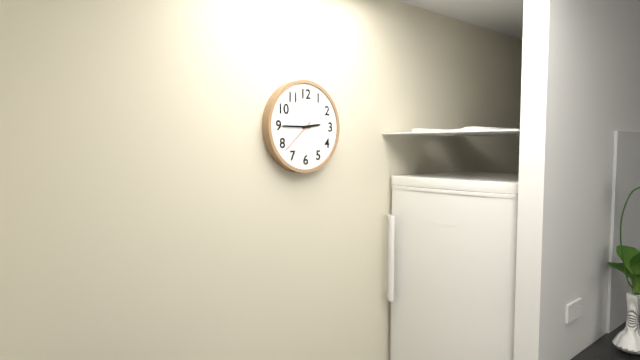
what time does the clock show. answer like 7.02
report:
2.45
